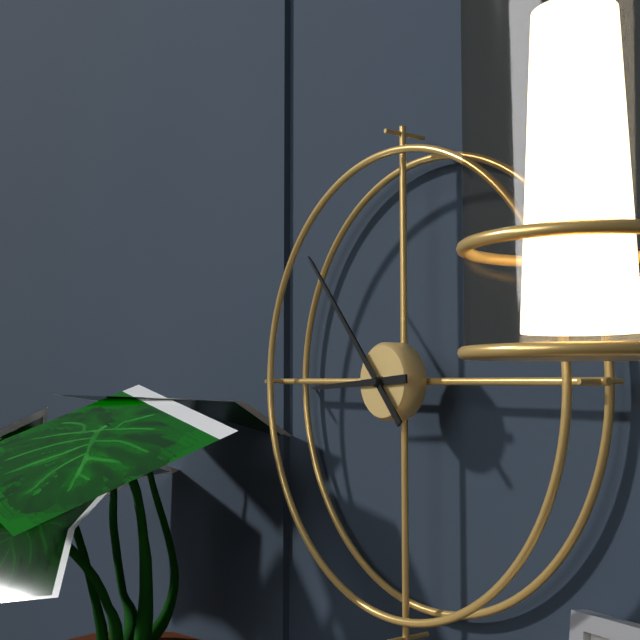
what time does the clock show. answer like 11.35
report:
8.53
